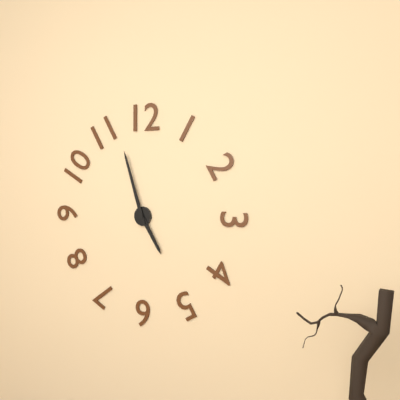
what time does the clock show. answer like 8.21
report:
4.57
